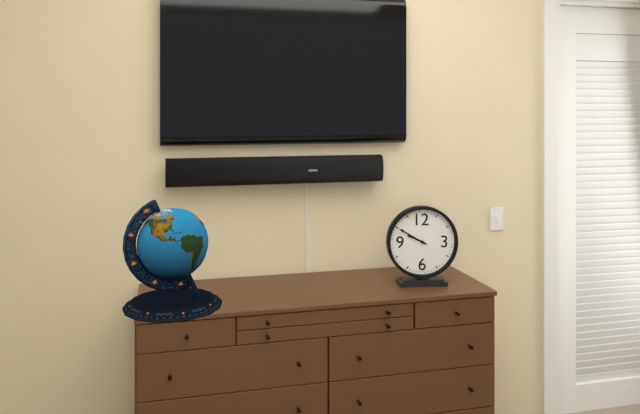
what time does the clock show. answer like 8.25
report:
9.50
